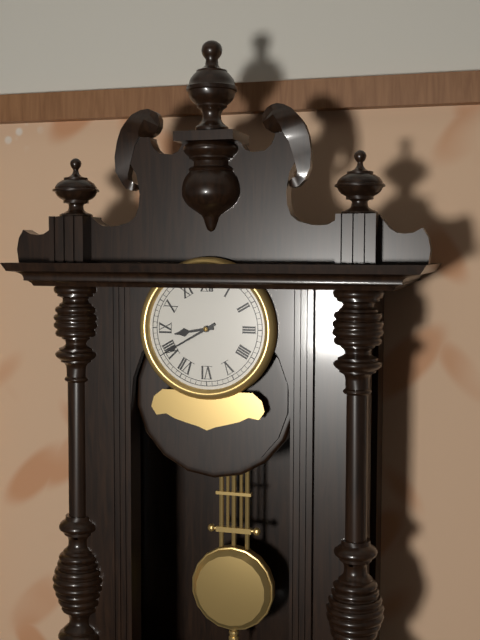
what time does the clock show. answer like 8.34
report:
8.40
